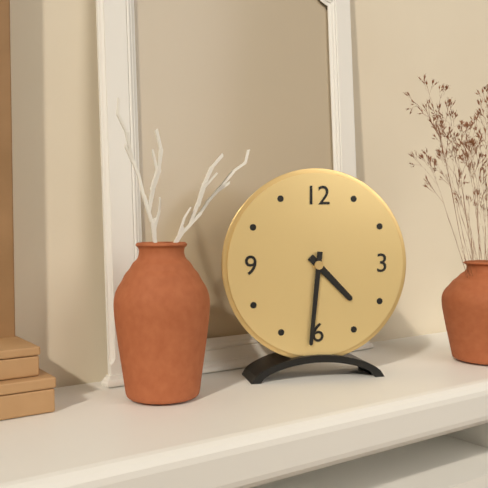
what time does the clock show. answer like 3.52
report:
4.31
